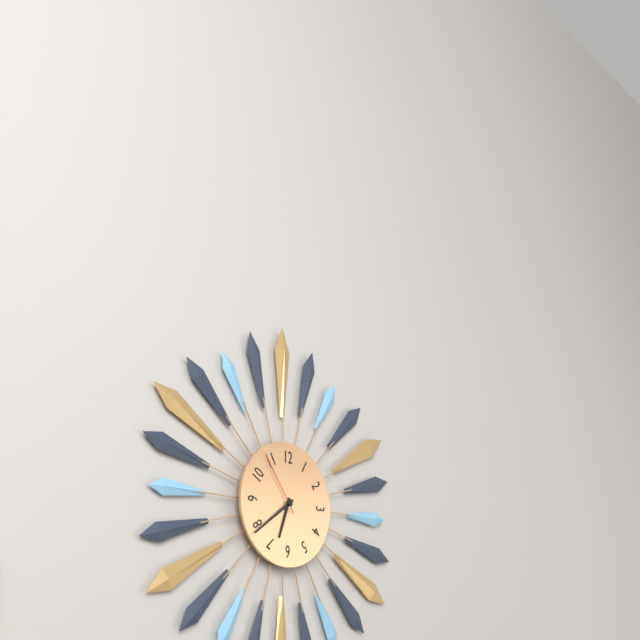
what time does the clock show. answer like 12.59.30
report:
6.39.54
